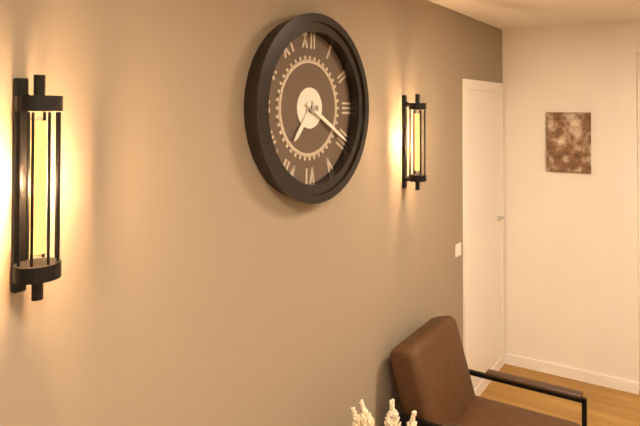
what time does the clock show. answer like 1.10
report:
7.20
